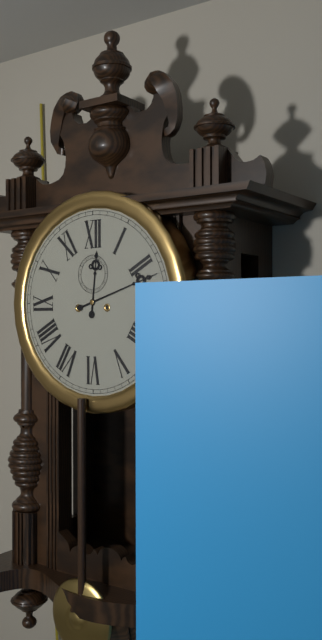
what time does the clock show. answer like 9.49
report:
12.12
